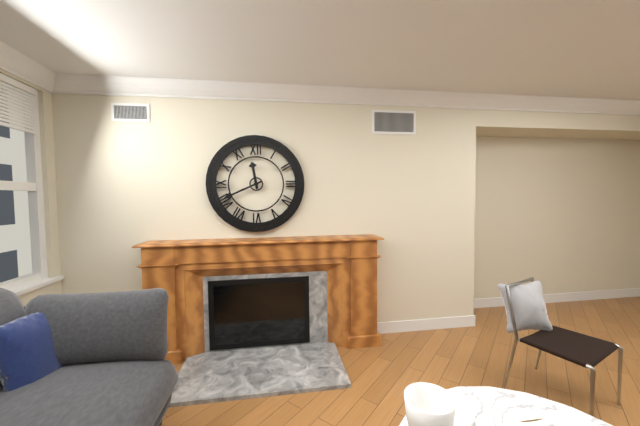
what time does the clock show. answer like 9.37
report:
11.41
